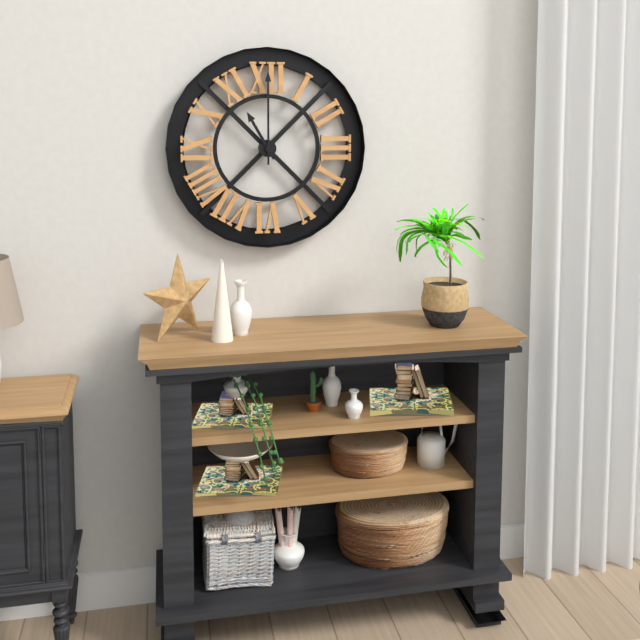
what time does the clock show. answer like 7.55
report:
11.00
